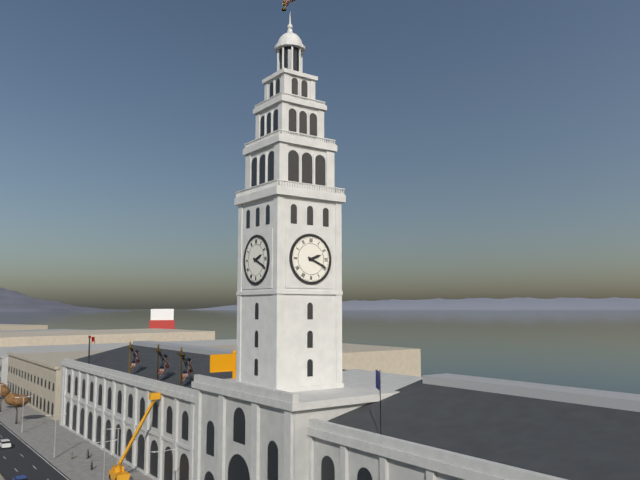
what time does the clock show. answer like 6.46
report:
2.19
